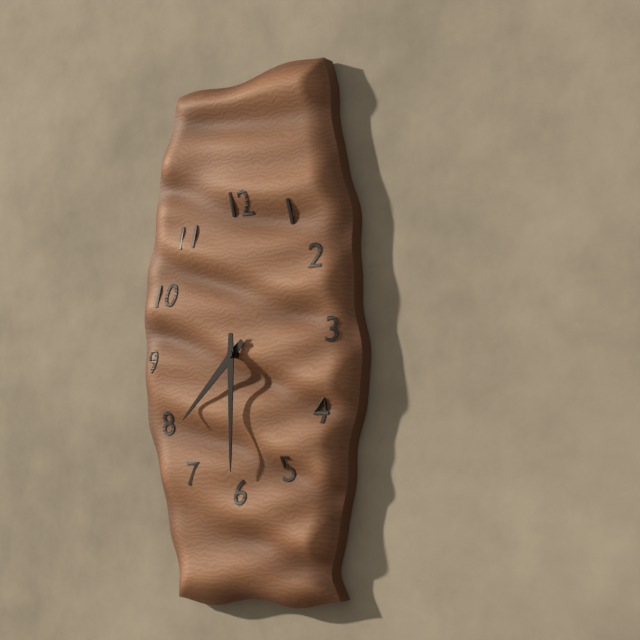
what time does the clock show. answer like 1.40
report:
7.30
